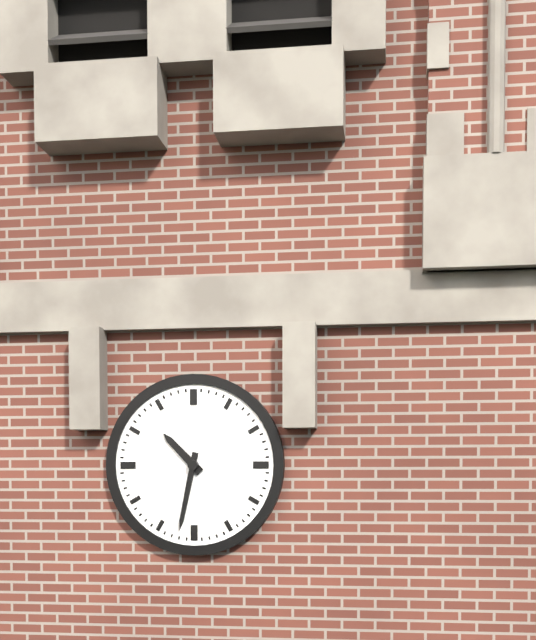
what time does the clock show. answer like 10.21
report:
10.32
